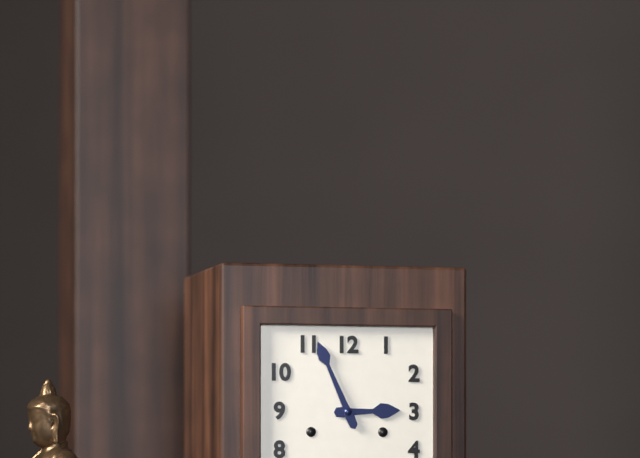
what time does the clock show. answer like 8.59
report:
2.56
